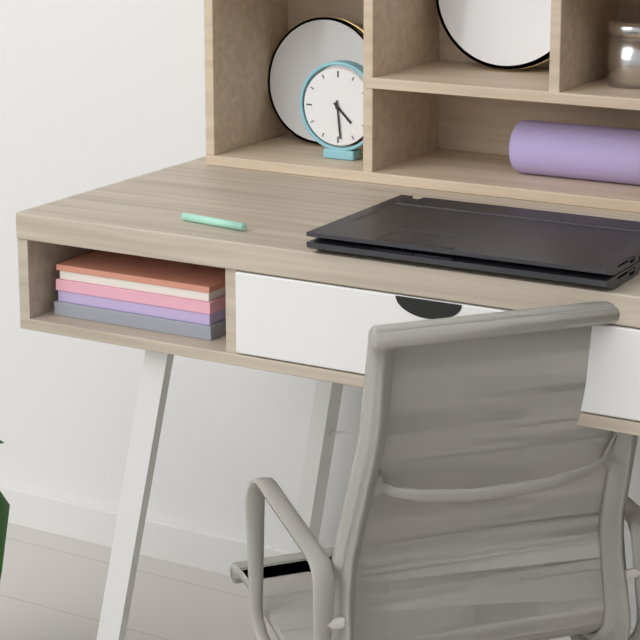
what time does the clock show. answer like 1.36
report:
4.29
